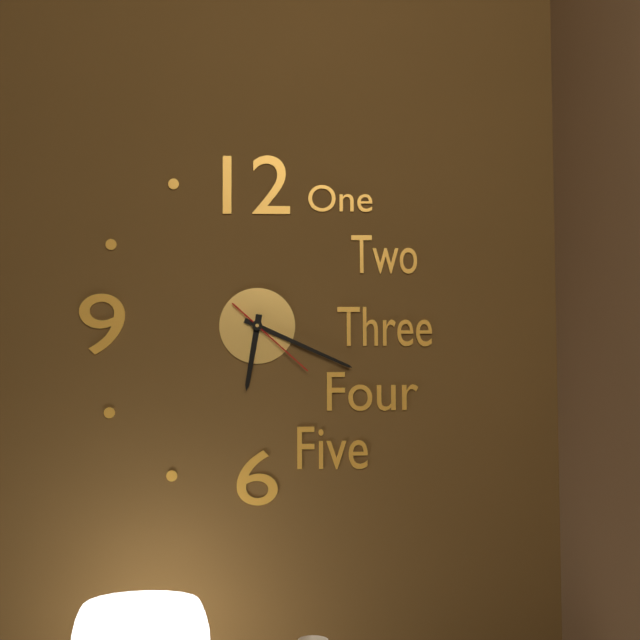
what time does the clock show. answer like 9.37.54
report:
6.19.22
